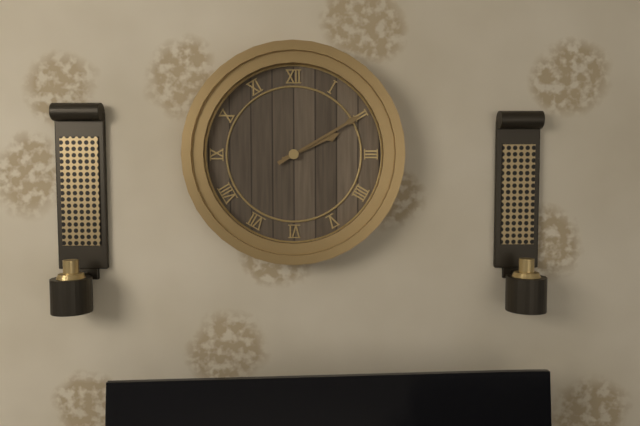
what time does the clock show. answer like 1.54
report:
2.10
